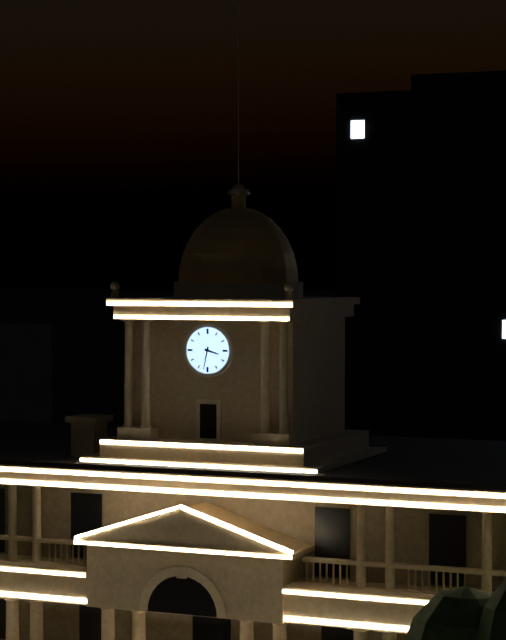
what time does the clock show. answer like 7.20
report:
3.32
